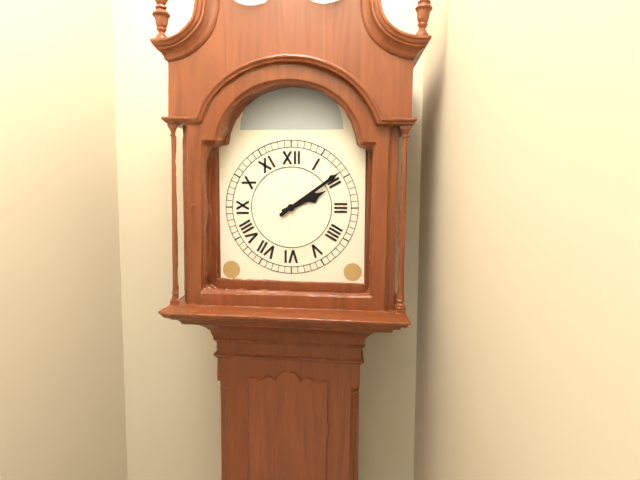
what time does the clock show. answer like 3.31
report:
2.09
